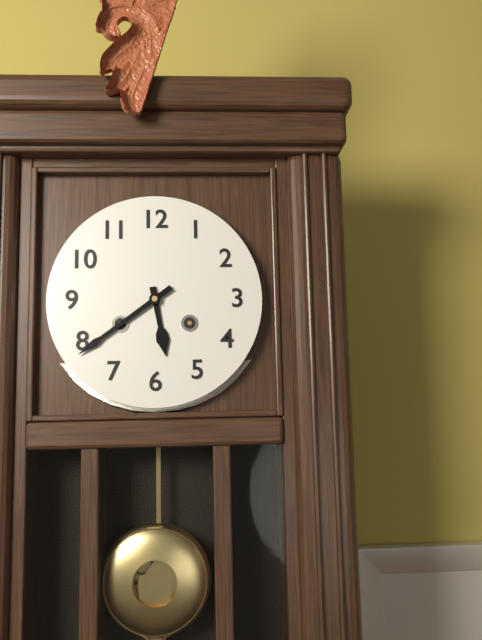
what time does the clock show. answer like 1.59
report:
5.39
